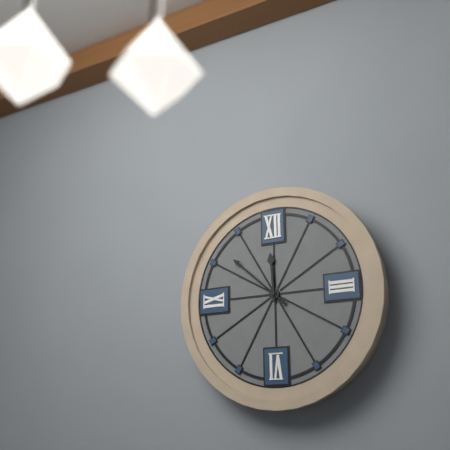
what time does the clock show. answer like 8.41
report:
11.52
